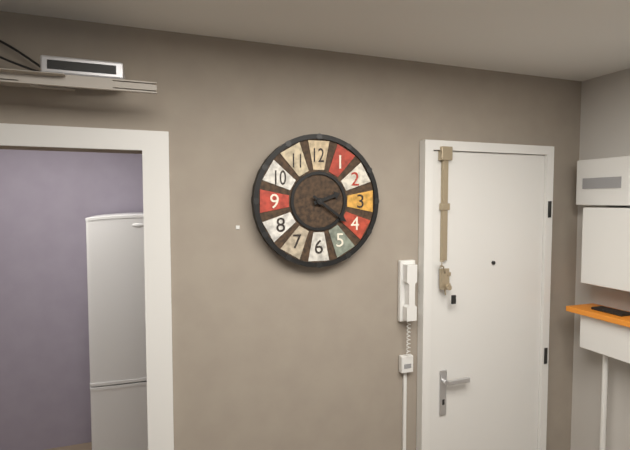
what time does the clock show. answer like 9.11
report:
2.21
